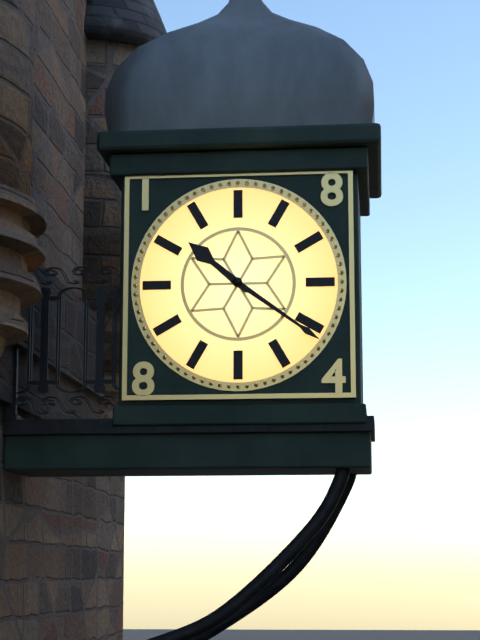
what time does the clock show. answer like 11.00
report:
10.21
